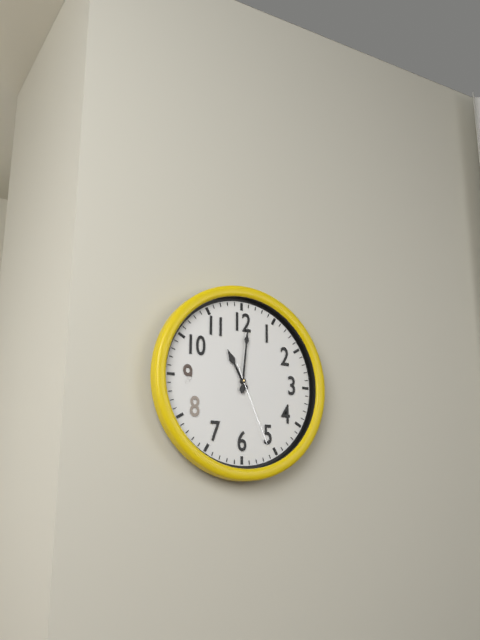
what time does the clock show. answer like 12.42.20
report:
11.01.26
